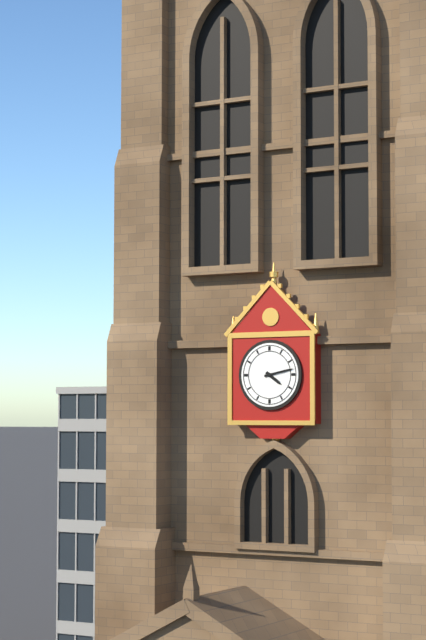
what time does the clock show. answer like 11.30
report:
4.13
